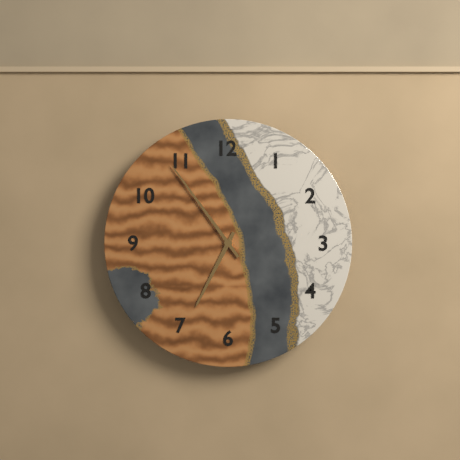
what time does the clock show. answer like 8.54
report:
6.54
